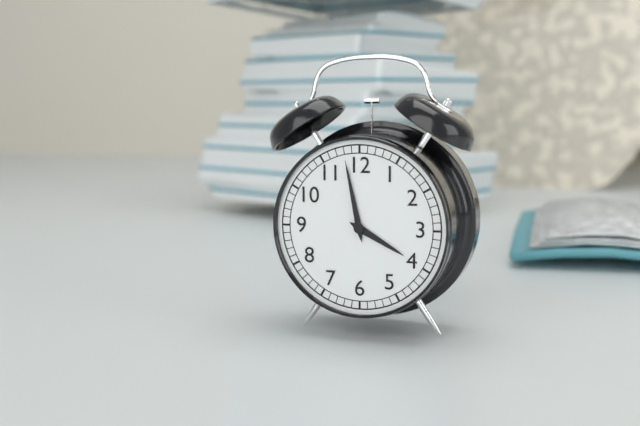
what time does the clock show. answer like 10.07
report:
3.58
